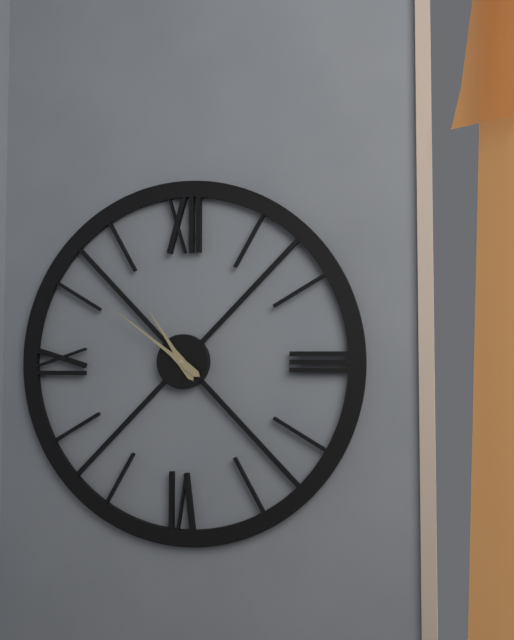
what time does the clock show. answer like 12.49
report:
10.51
